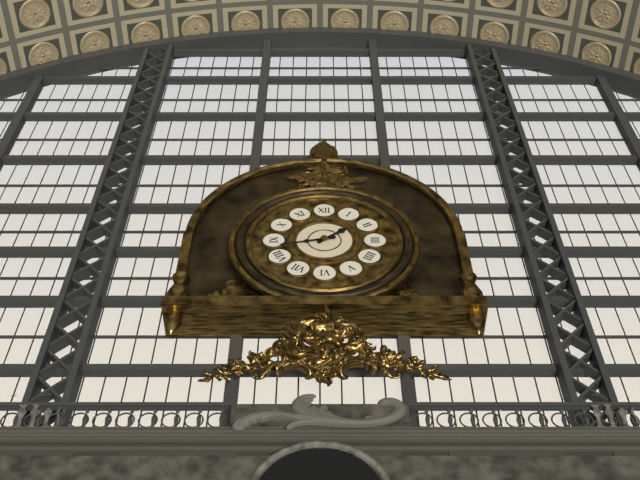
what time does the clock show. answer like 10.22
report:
1.43
